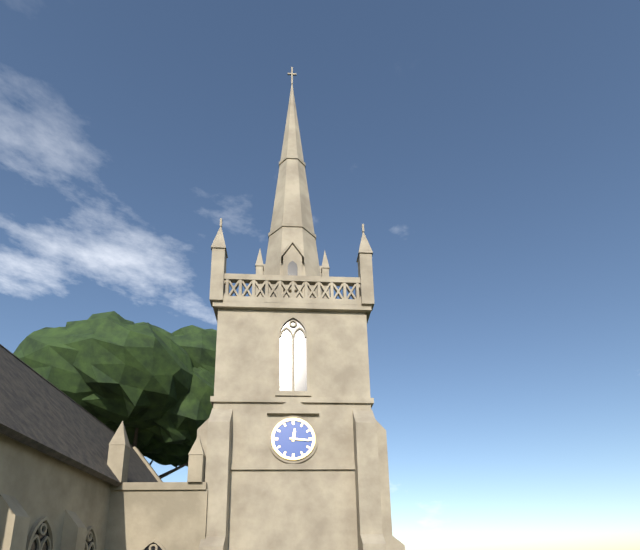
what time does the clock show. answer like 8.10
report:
12.16
